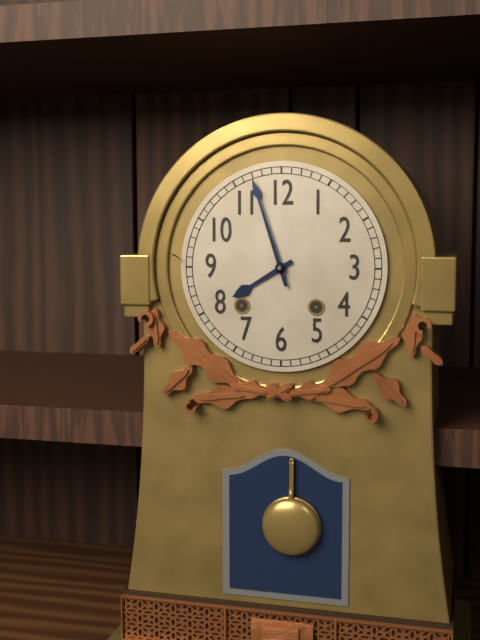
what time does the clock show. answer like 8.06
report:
7.57
